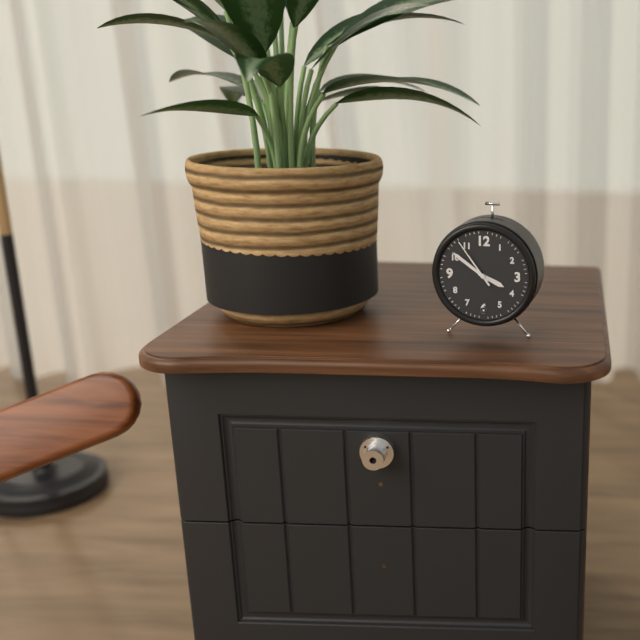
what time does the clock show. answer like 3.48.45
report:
3.51.54
